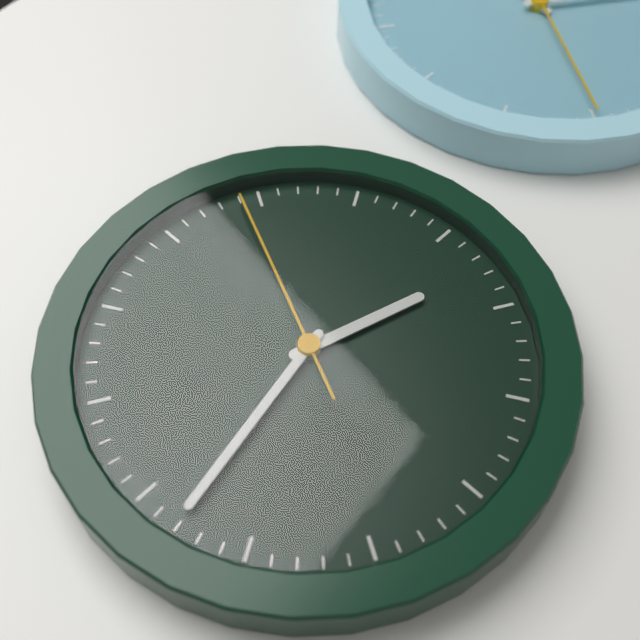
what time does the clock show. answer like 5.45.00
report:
1.33.54
